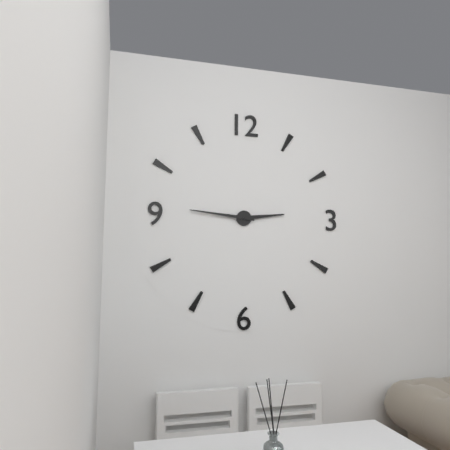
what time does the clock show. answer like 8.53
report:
2.46
